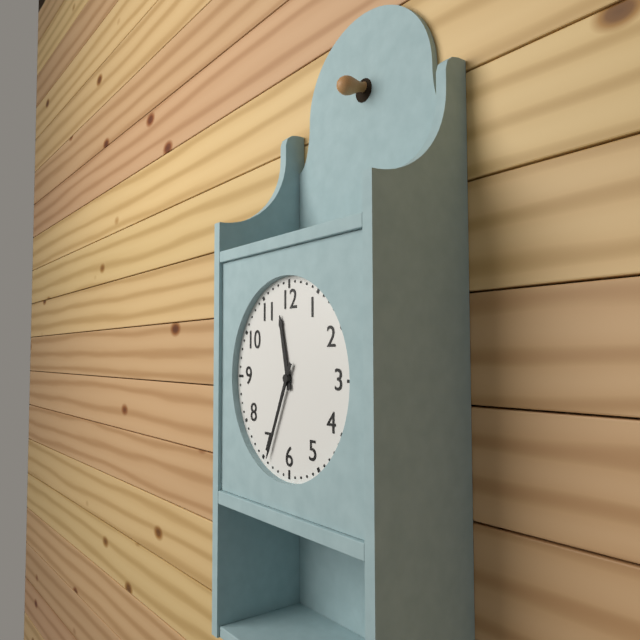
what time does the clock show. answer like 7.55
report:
11.34
